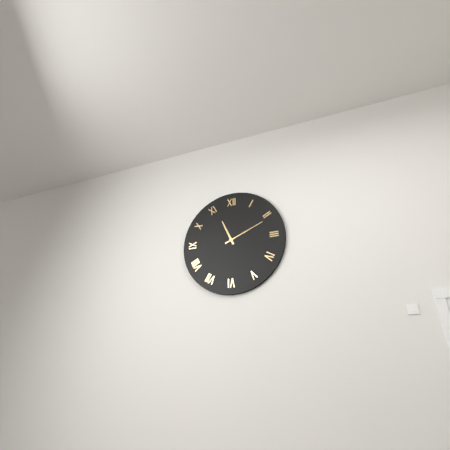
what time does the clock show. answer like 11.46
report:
11.11
